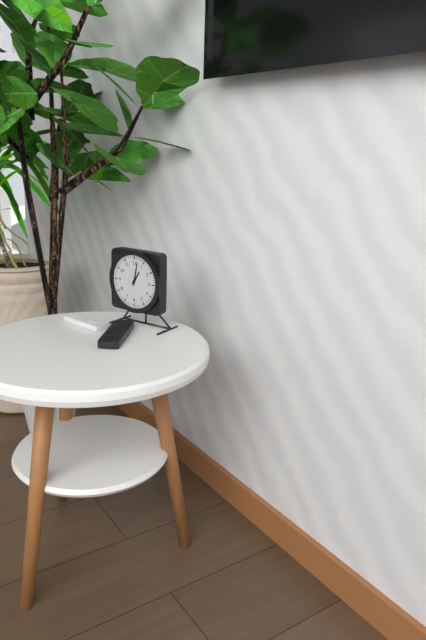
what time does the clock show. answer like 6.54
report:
1.02
